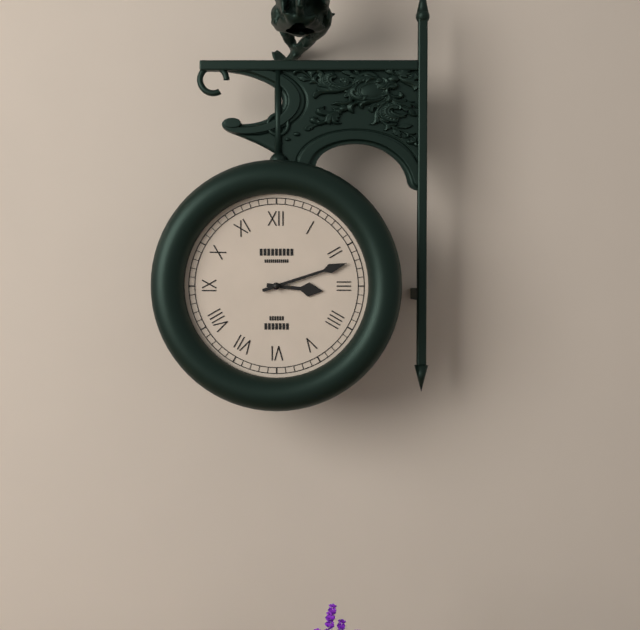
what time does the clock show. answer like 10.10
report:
3.12
